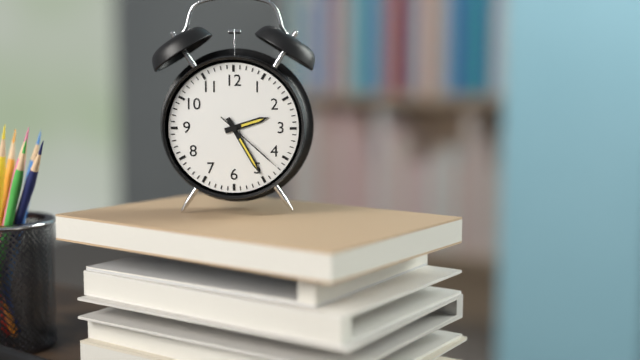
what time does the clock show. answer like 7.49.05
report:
2.25.22
